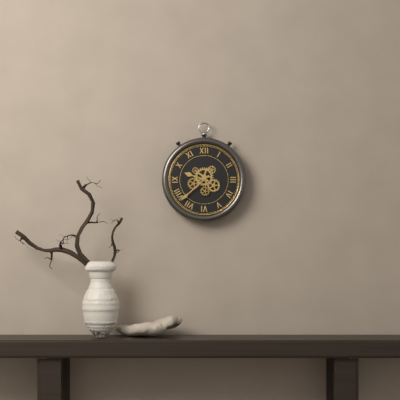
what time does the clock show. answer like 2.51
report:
9.38
